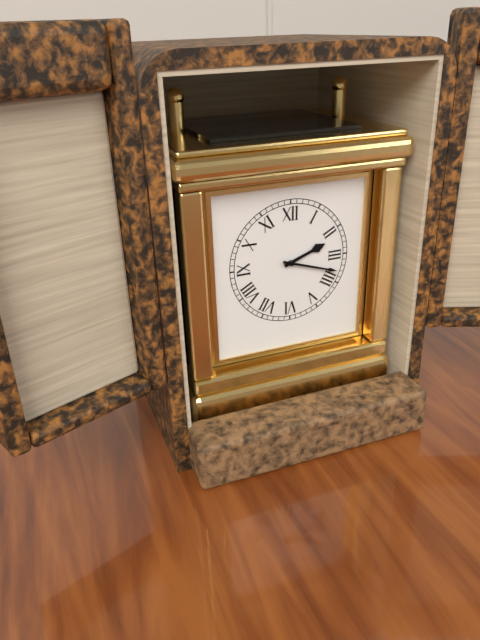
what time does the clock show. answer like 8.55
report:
2.18
